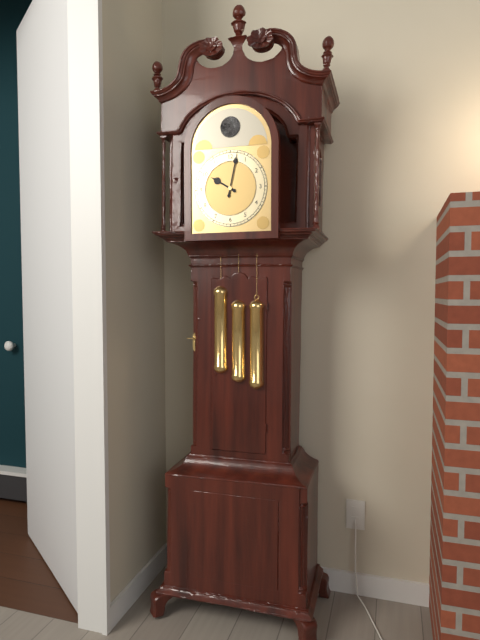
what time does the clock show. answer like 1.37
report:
10.02
